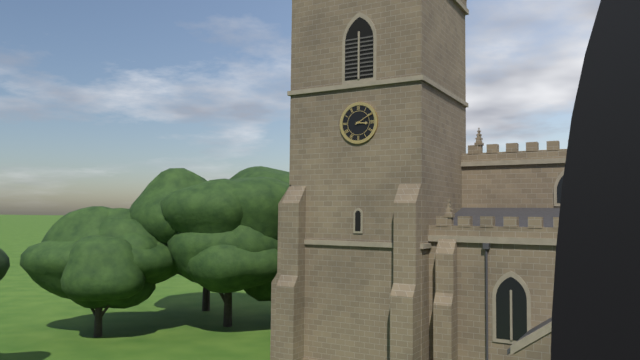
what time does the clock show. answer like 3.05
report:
3.10
